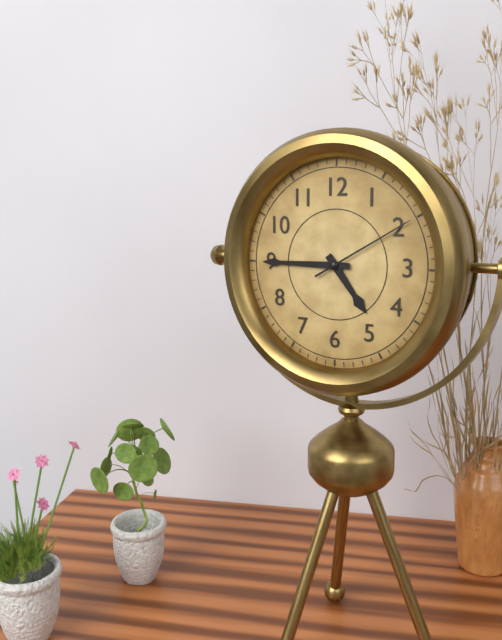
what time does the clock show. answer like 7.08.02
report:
4.45.10
